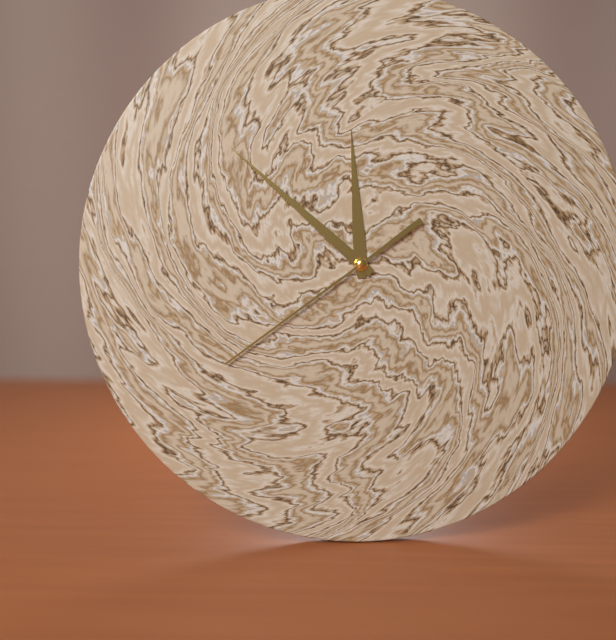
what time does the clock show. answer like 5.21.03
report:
11.52.39
